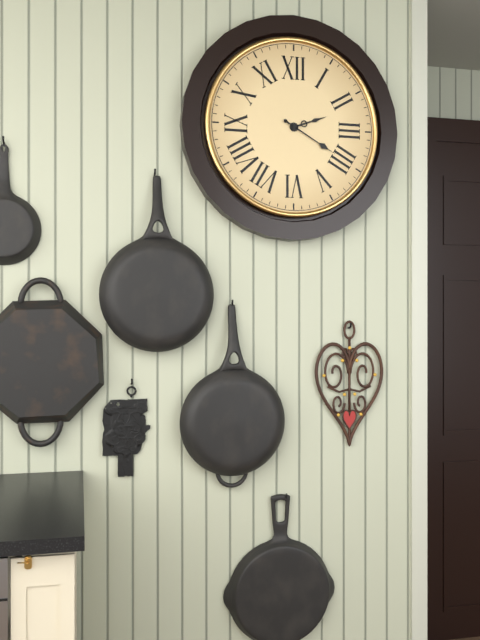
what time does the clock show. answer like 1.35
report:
2.20
